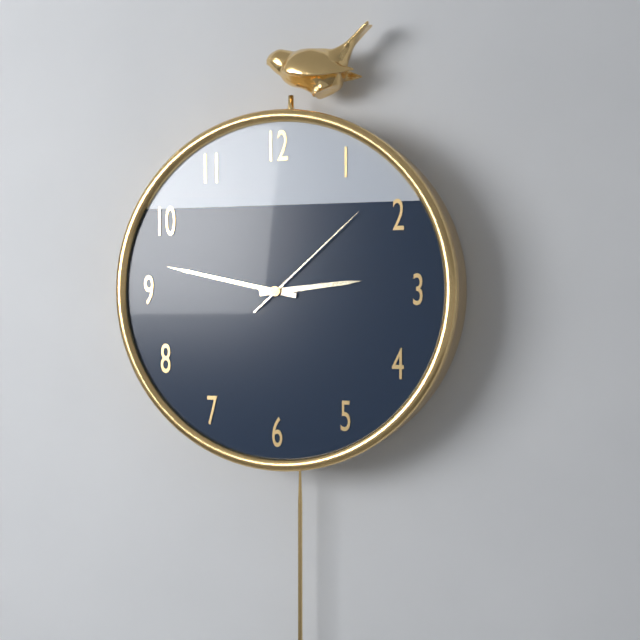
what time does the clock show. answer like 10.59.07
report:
2.47.08
